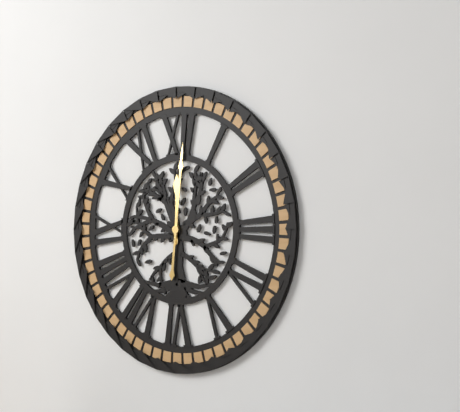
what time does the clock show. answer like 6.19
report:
12.01
